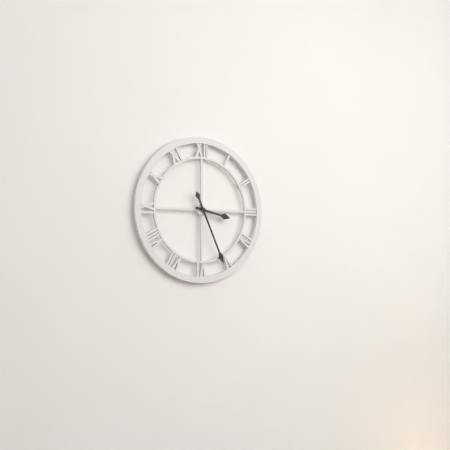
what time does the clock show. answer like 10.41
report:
3.26
